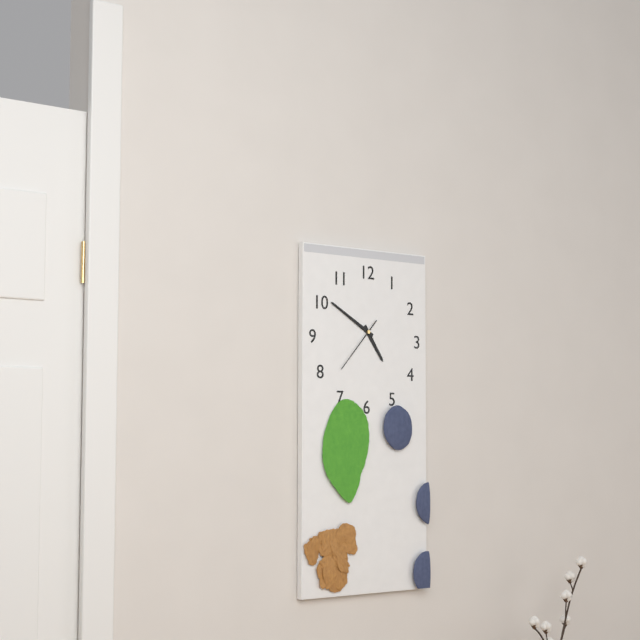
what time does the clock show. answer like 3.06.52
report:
4.50.37
